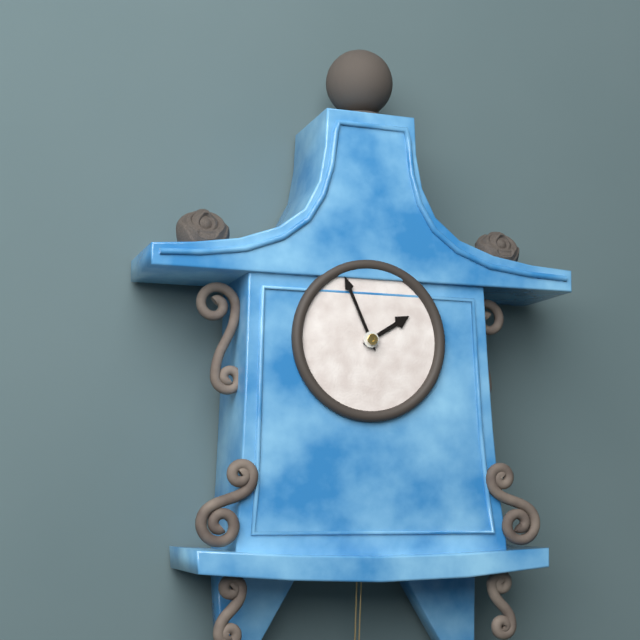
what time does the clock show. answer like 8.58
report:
1.56
